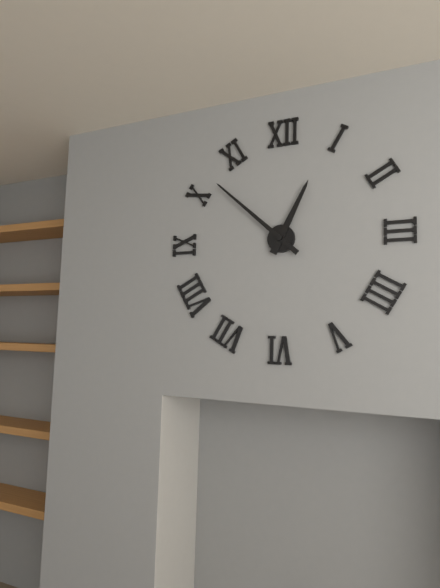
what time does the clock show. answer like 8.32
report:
12.52
